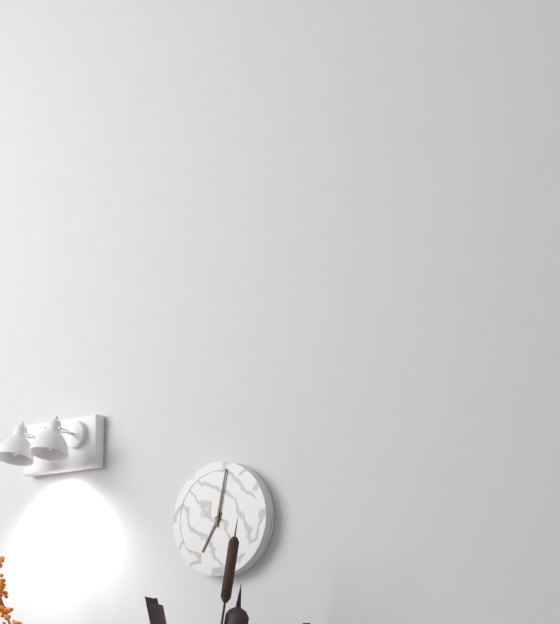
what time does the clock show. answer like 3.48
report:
7.02
